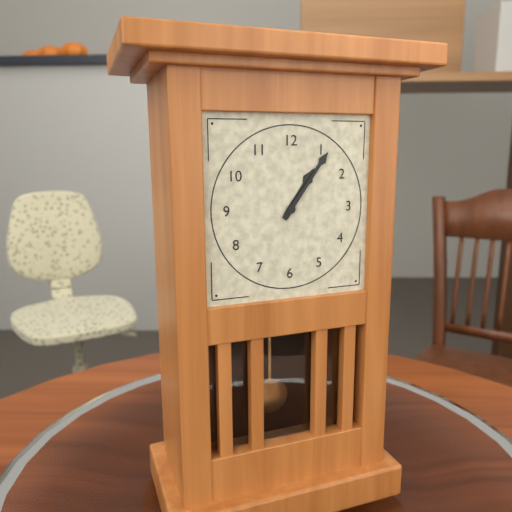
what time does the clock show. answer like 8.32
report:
1.06
